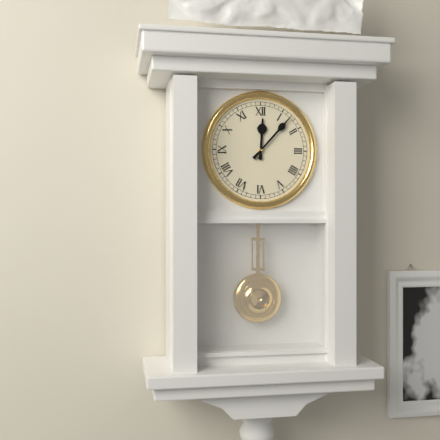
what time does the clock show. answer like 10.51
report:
12.07
